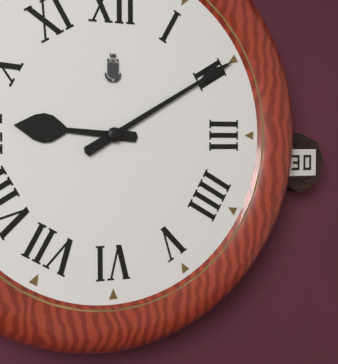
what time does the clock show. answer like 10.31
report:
9.10
